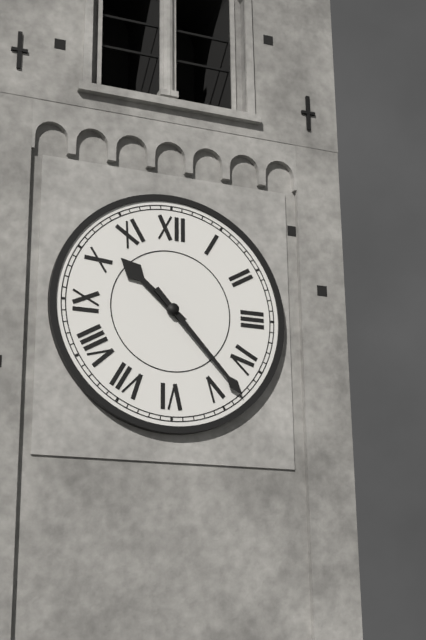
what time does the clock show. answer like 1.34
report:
10.23
